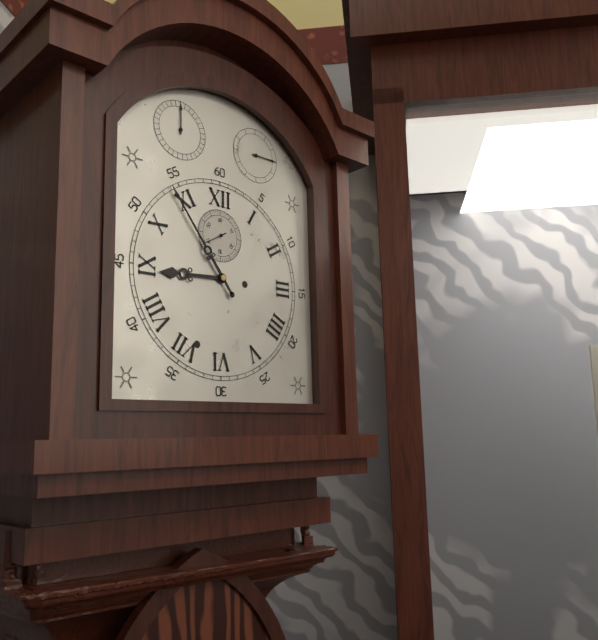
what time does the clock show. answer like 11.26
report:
8.54
